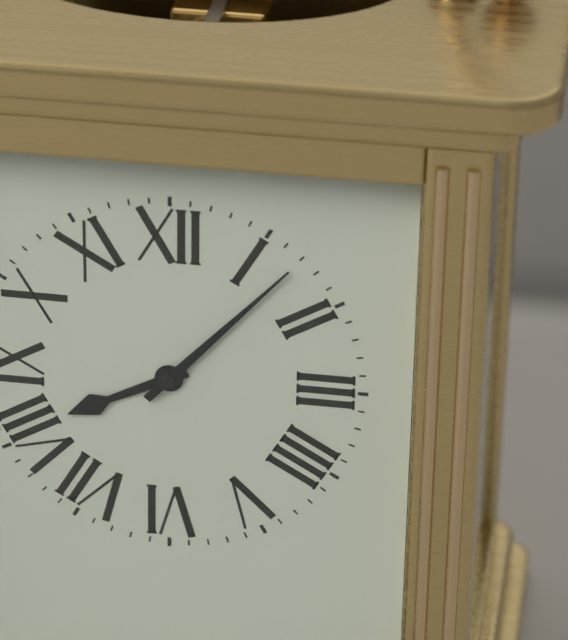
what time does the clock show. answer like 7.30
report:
8.07
